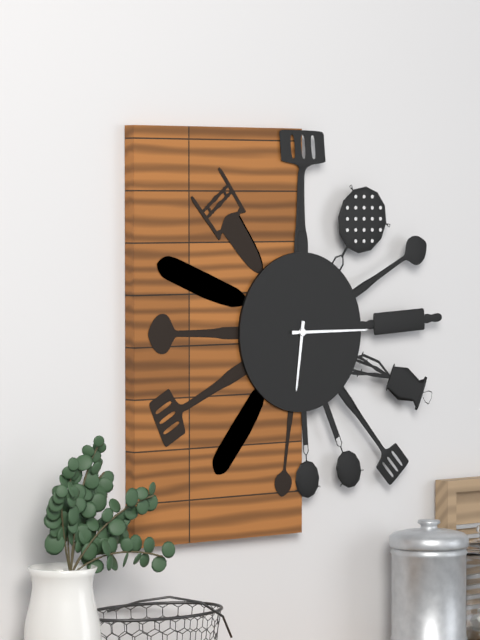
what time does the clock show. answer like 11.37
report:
6.15
